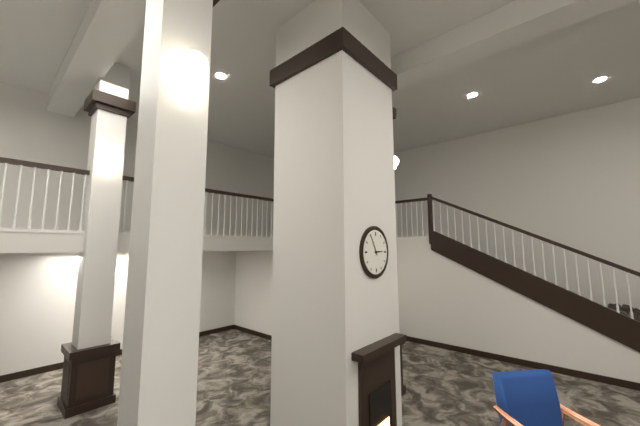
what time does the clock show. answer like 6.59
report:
2.55
